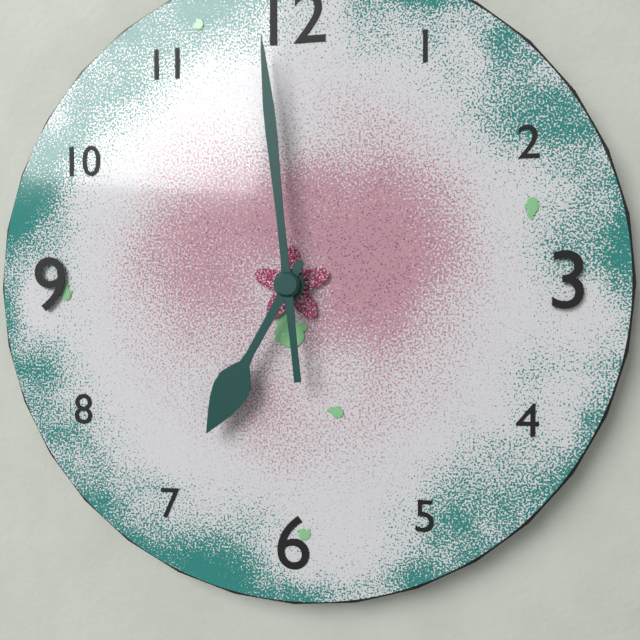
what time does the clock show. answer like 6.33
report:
6.59
